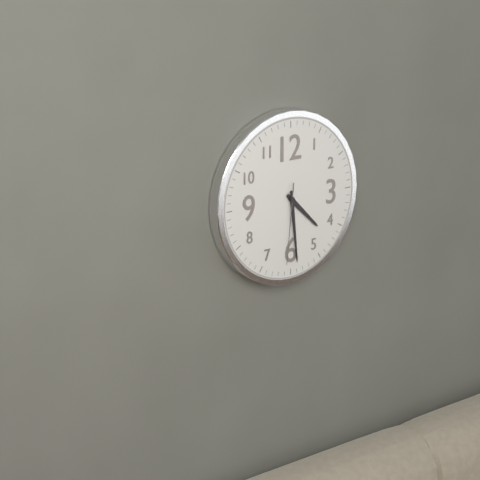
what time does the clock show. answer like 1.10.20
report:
4.29.31
